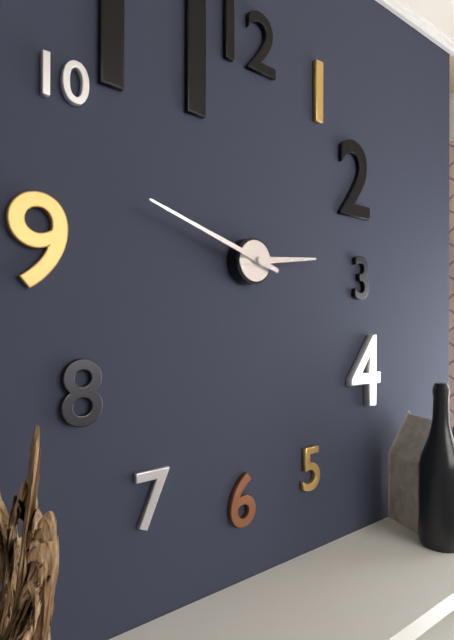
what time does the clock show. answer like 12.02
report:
2.48
